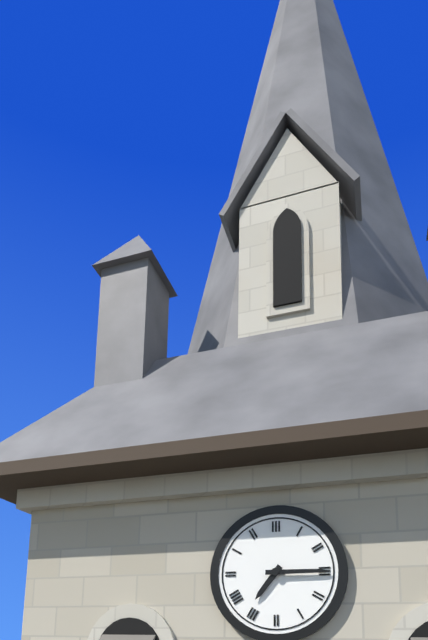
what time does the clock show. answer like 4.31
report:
7.15
